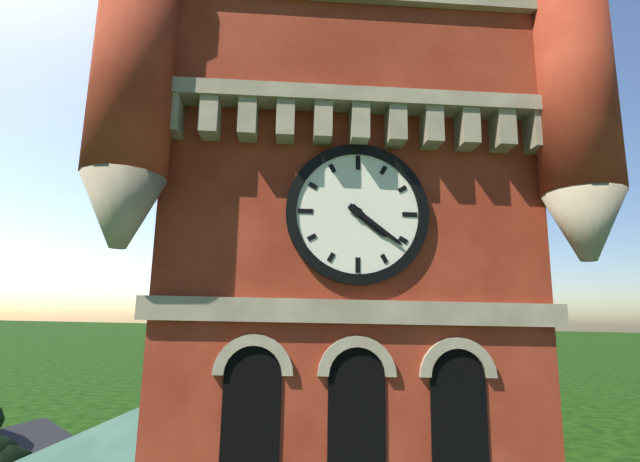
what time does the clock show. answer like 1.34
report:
4.21
